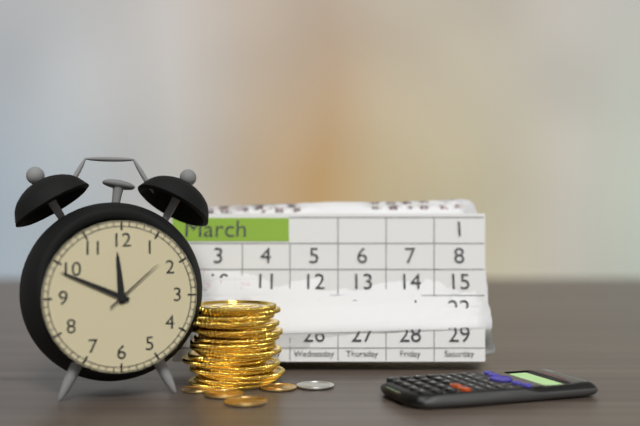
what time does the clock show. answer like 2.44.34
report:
11.49.08
